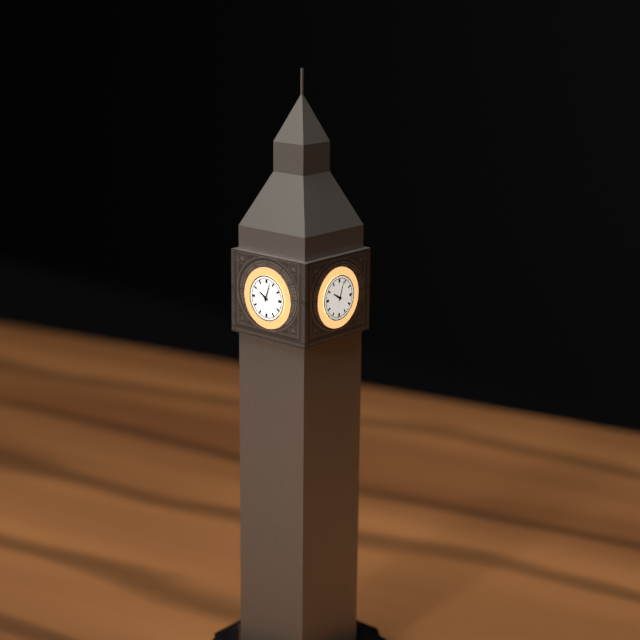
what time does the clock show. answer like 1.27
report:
10.03
